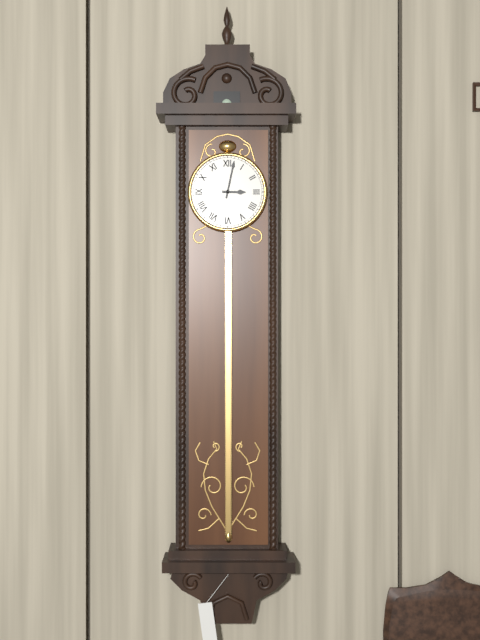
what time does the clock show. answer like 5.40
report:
3.02
